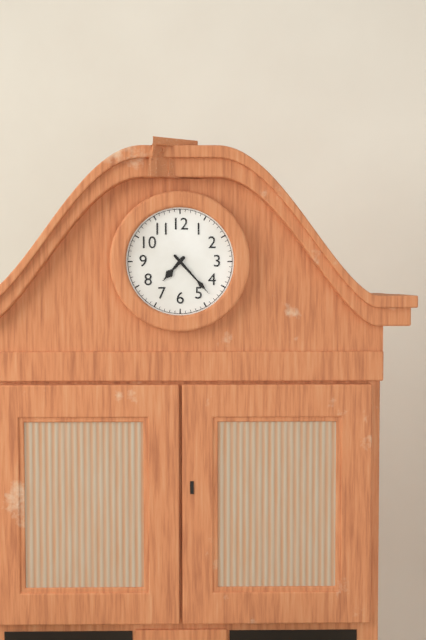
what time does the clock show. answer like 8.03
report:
7.23
